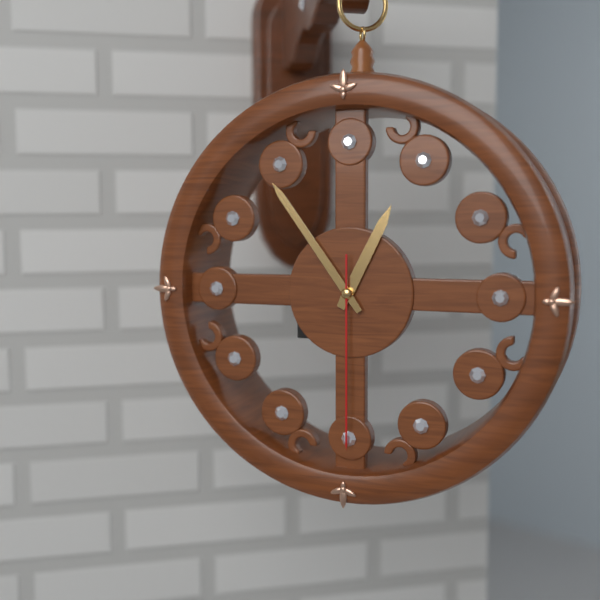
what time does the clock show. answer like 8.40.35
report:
12.54.30
